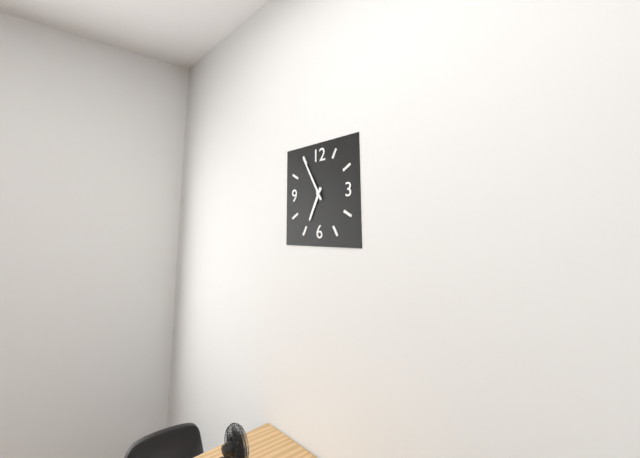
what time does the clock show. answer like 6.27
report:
6.55
